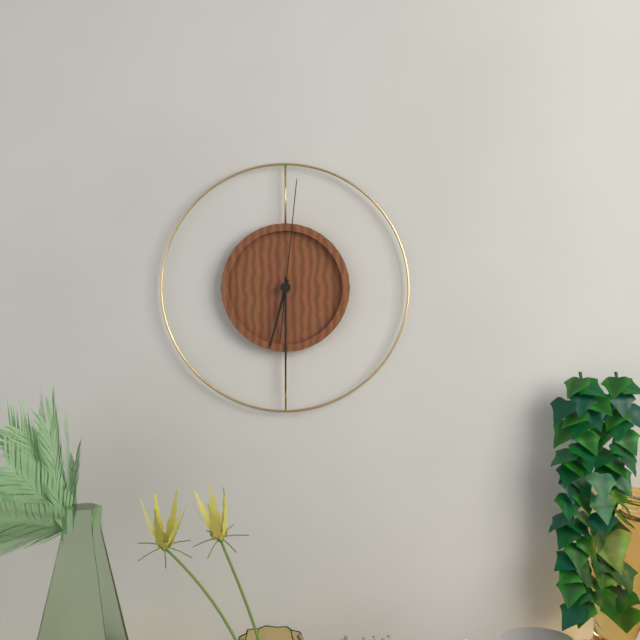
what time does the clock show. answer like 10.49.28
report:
6.30.01
